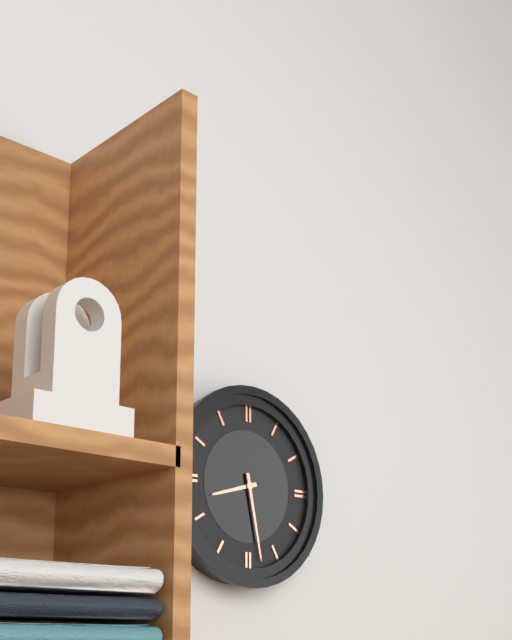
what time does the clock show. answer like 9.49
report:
8.28
